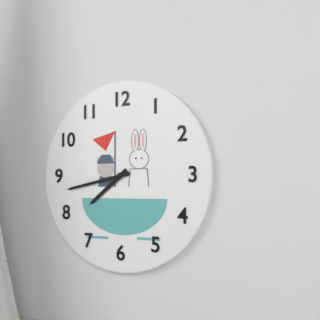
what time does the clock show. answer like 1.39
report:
7.43
